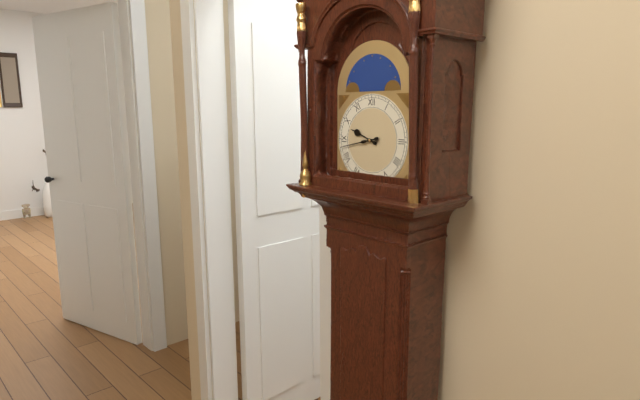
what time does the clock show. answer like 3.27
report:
9.43
